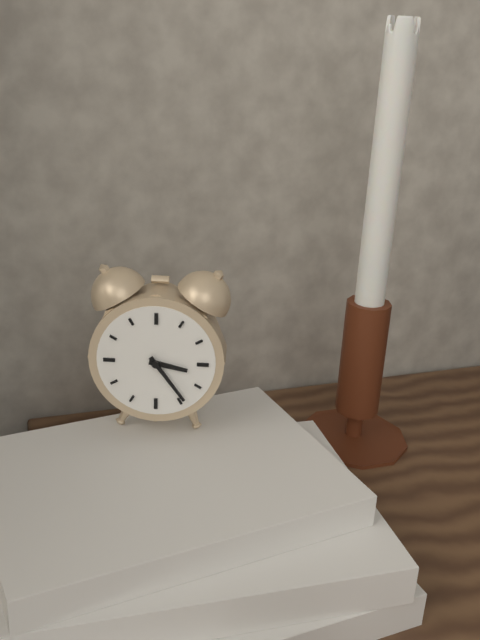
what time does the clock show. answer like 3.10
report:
3.24
